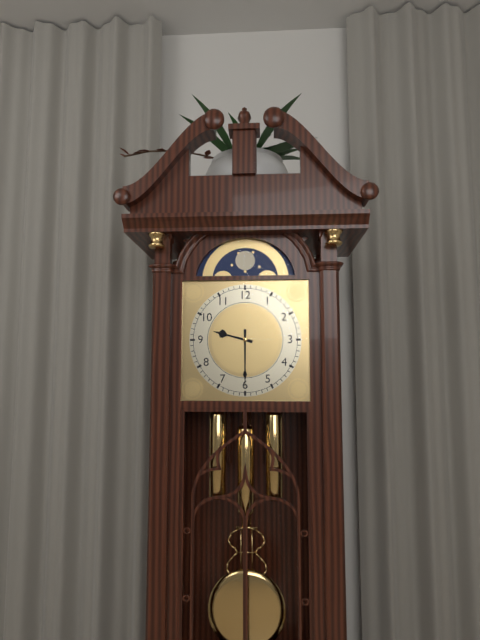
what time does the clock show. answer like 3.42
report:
9.30
